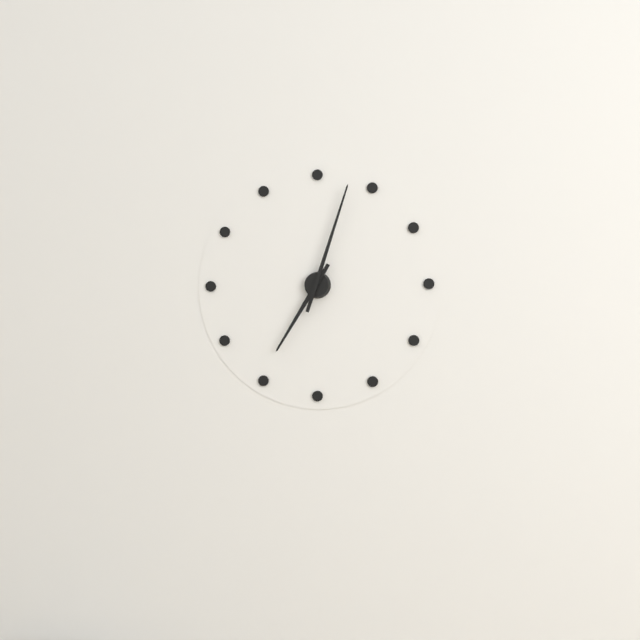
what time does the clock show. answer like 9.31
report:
7.03
